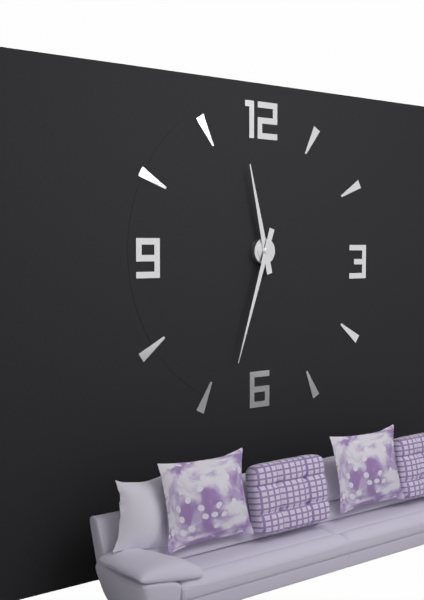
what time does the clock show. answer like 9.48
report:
11.33
